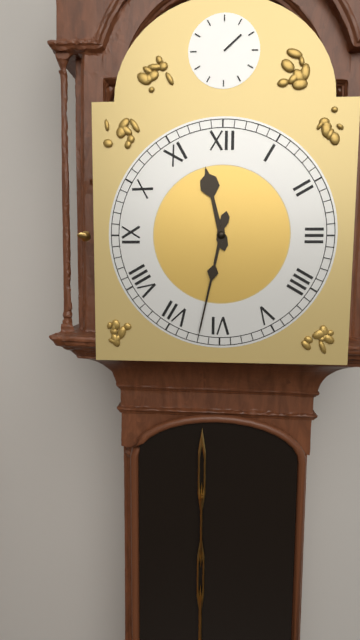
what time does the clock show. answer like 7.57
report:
11.32
